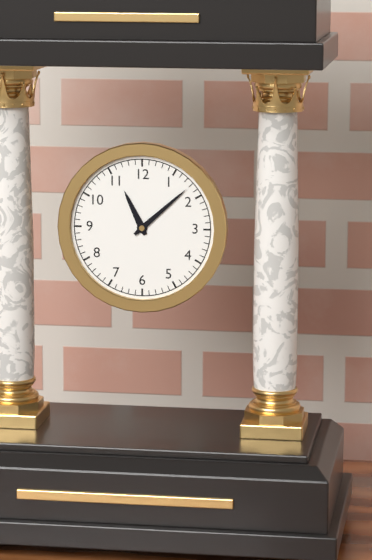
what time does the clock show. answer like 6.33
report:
11.08
